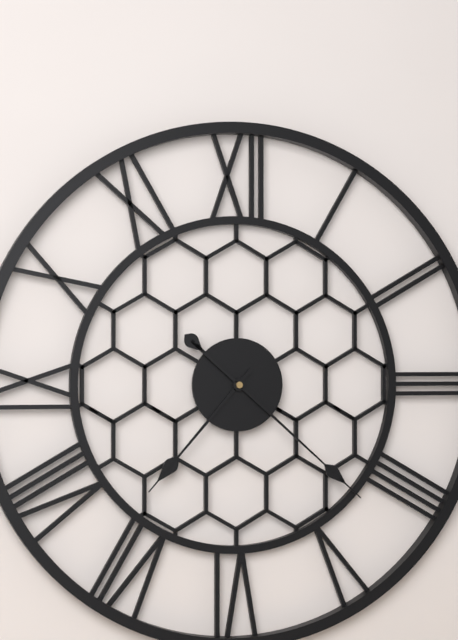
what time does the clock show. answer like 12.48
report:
7.22
